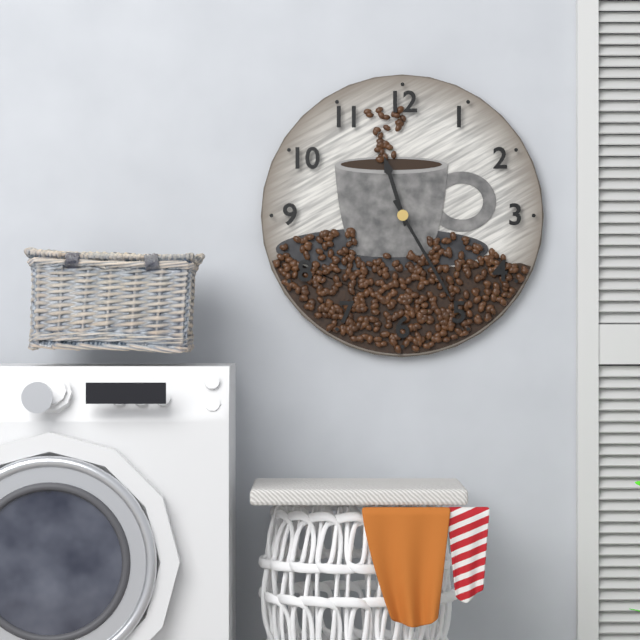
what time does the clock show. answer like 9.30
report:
11.25
